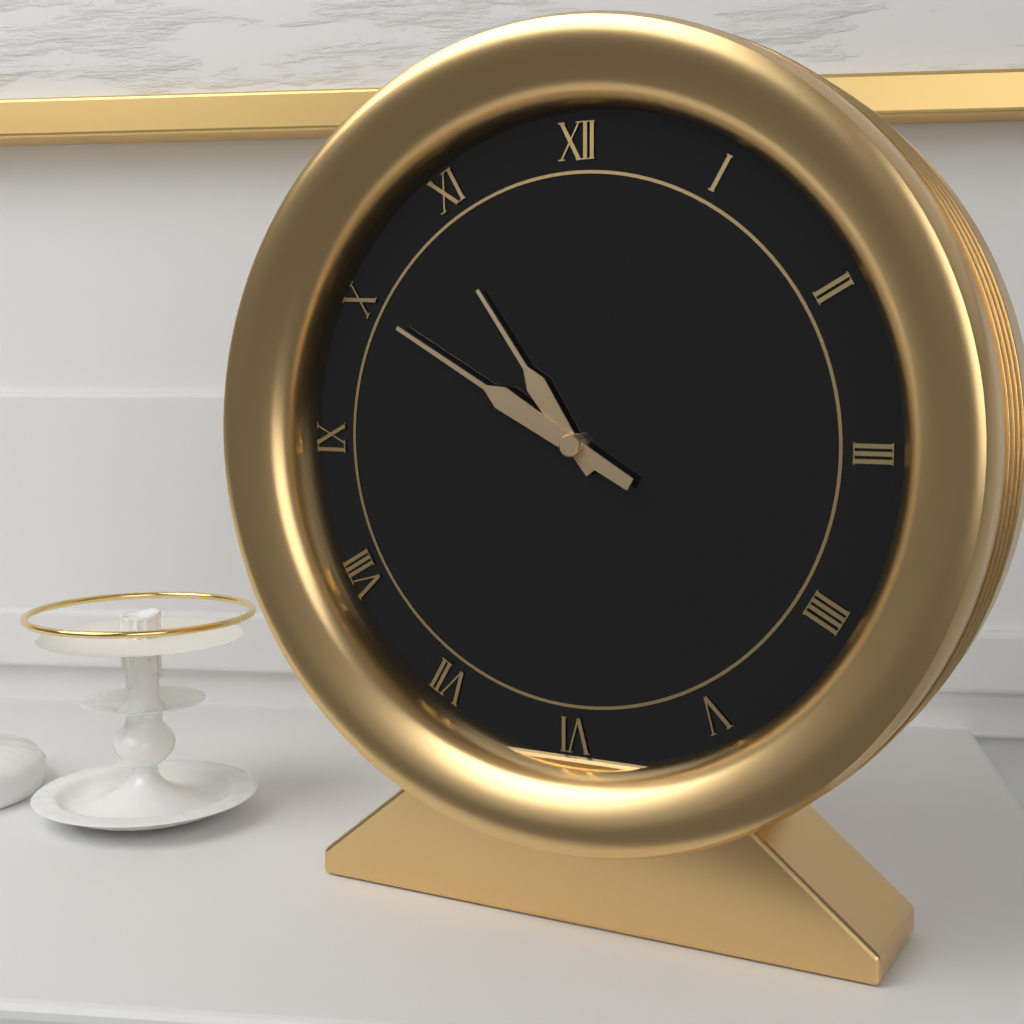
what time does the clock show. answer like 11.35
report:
10.50
